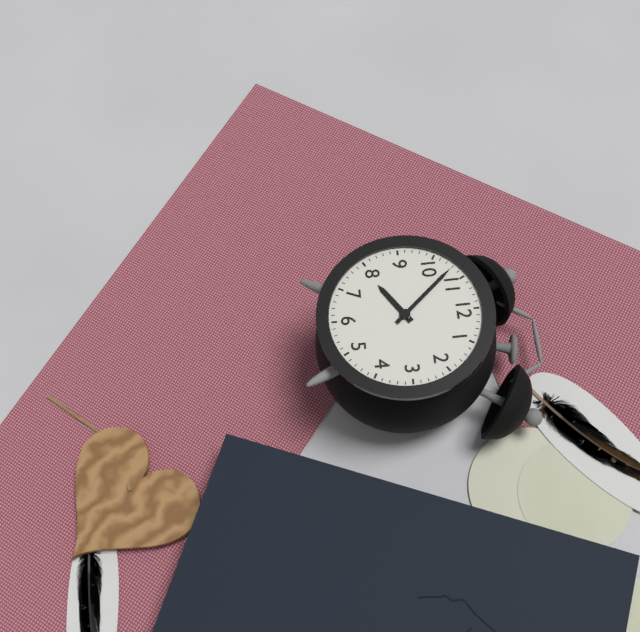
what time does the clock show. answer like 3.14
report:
7.53
